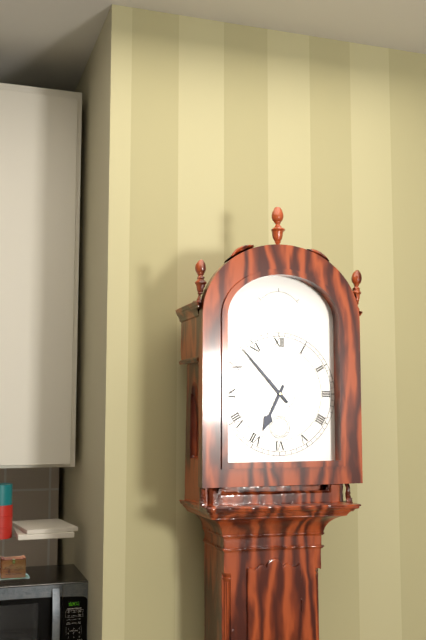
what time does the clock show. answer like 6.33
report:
6.53
